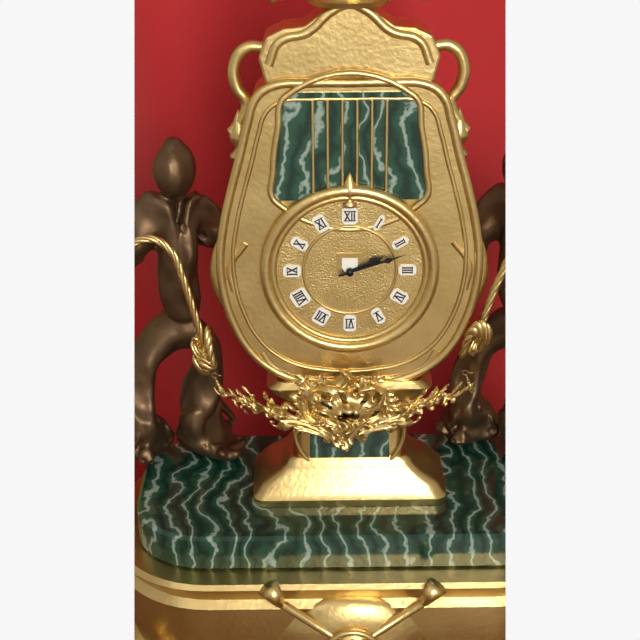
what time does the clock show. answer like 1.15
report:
2.12
